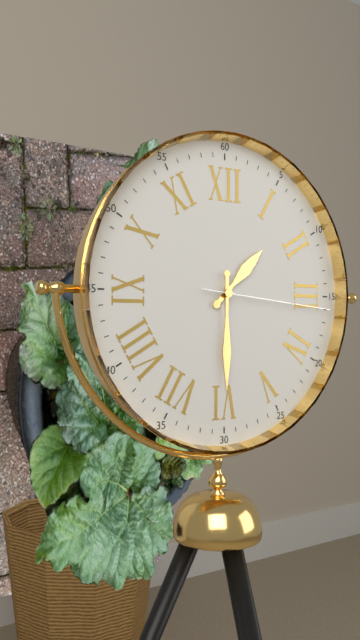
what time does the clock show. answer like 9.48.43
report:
1.30.16
